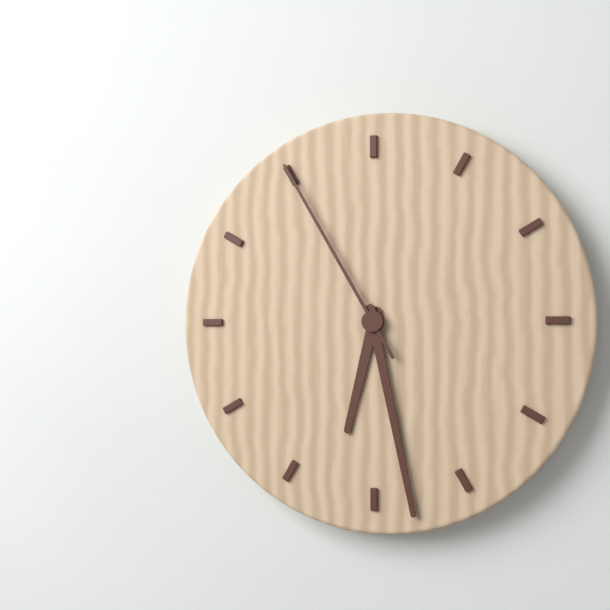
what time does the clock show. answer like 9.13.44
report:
6.28.55
